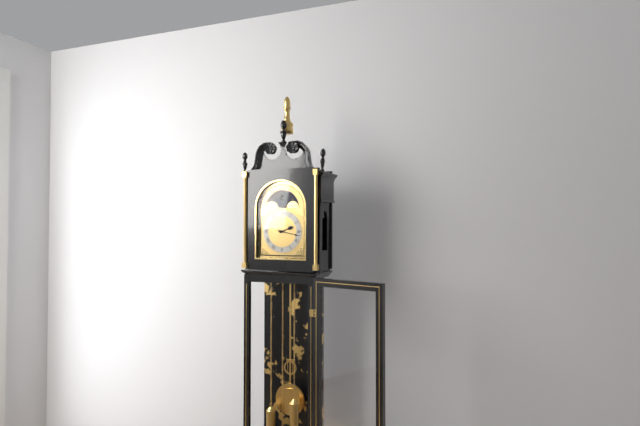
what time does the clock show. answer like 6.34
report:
2.17
